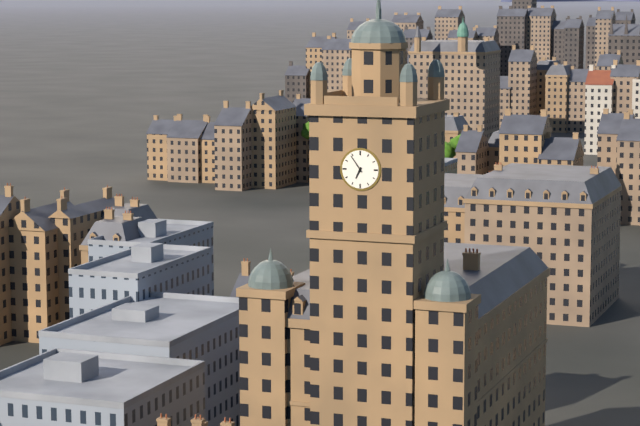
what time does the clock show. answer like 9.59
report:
6.54
